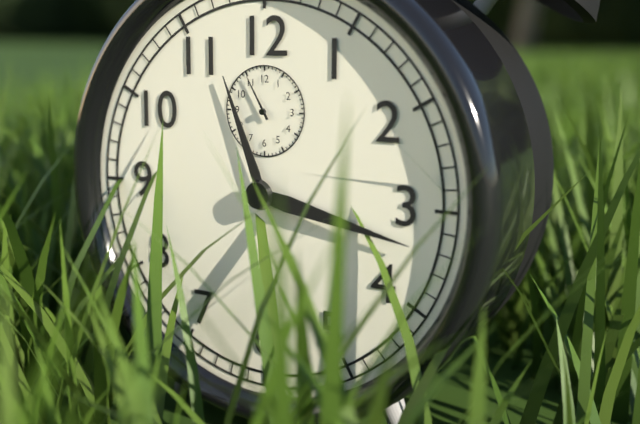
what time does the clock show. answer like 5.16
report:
11.17
